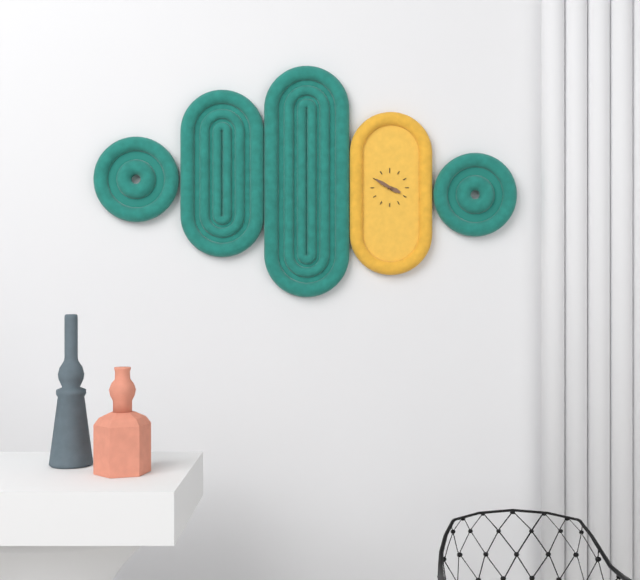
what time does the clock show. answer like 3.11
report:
3.50
